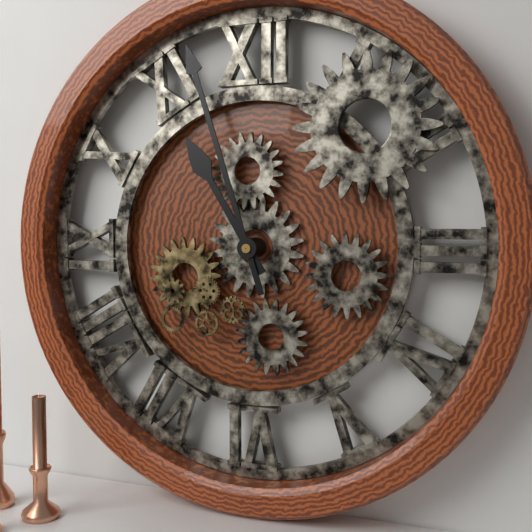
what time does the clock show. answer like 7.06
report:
10.57
